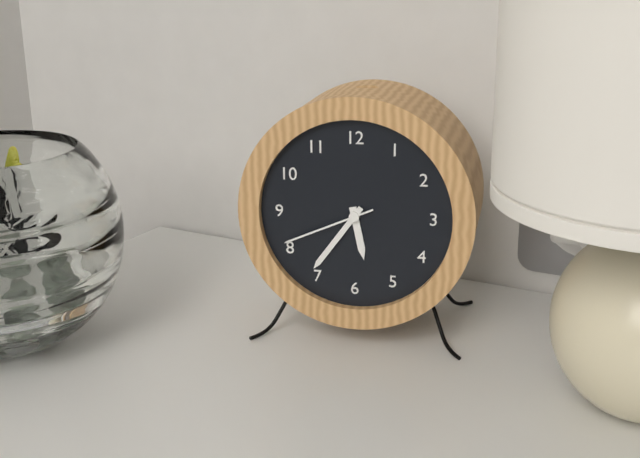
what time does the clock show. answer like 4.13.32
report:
5.36.41
